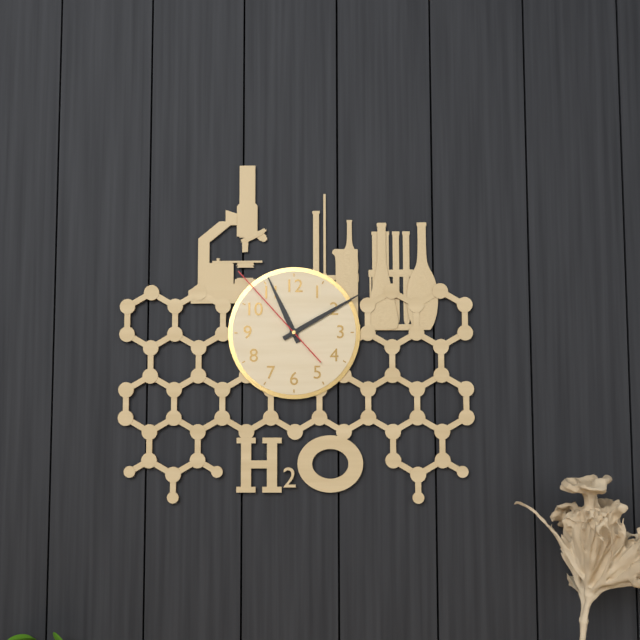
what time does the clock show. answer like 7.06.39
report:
11.10.53
